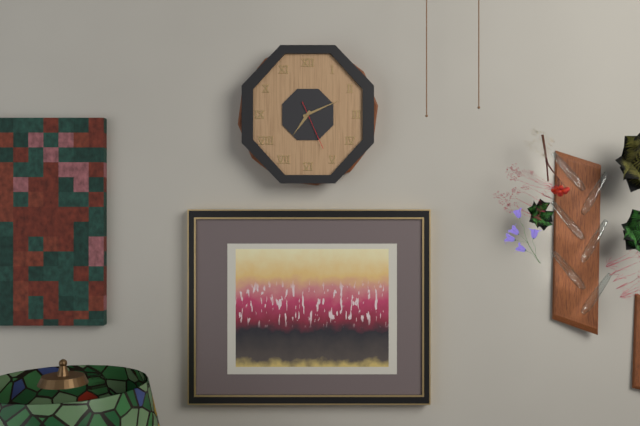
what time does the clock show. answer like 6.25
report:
7.11
